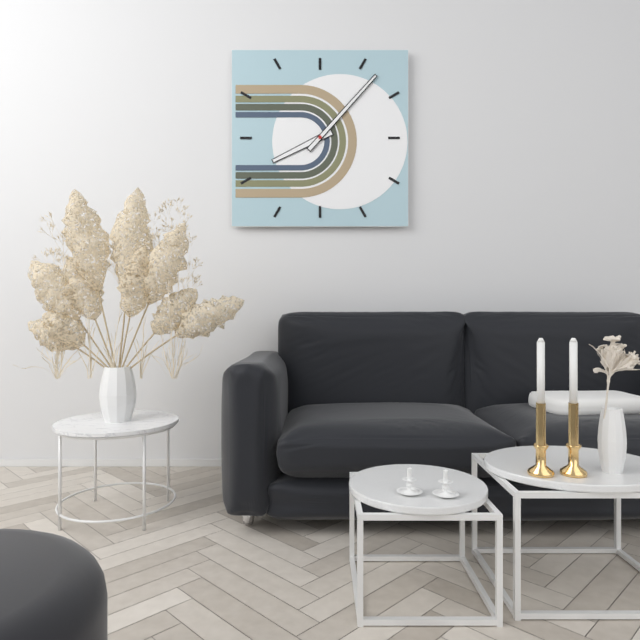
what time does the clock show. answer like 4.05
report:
8.07
